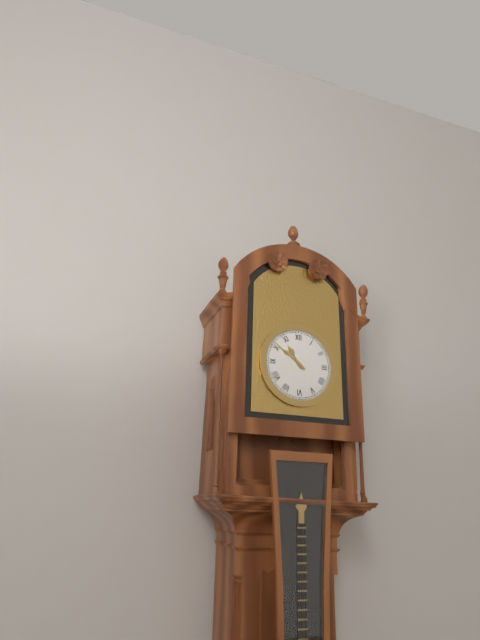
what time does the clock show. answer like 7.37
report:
10.51
